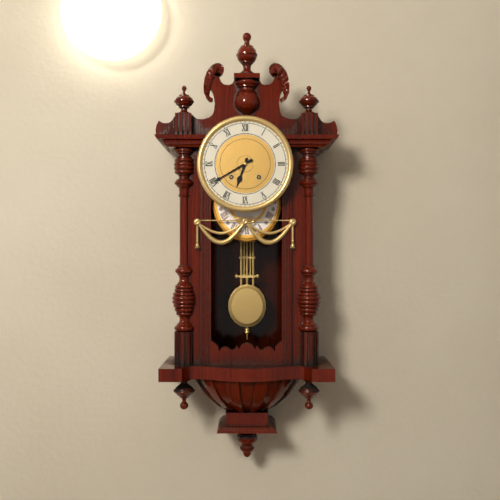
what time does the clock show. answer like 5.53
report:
6.40
